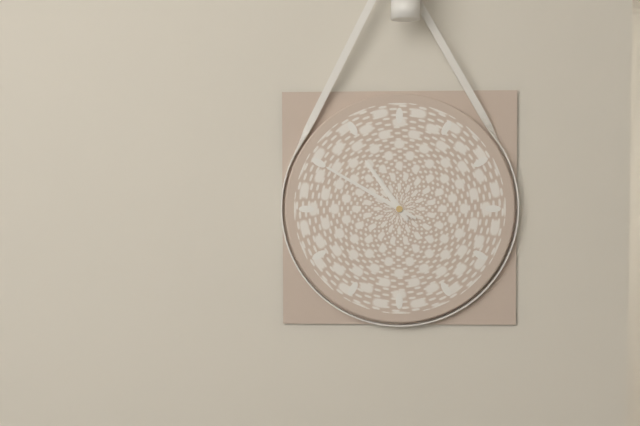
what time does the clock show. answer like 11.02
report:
10.50
